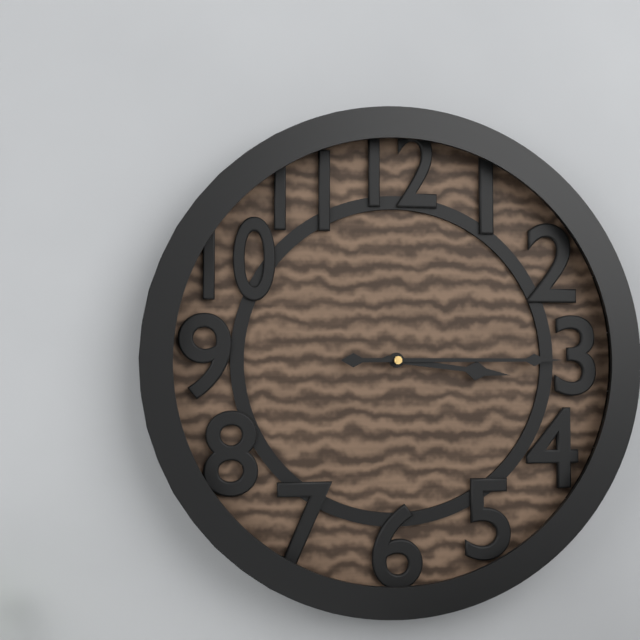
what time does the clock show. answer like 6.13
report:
3.15
